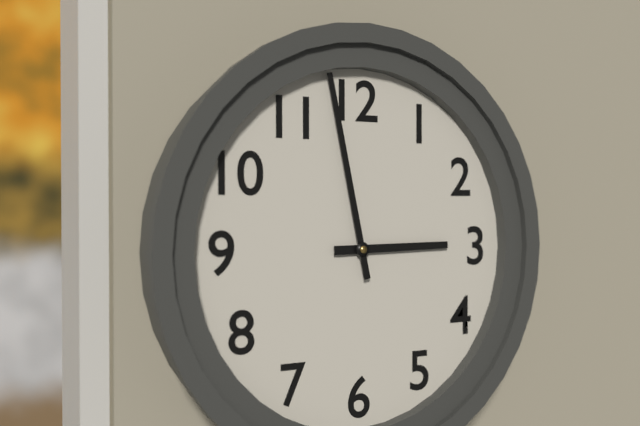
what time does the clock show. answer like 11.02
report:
2.58
